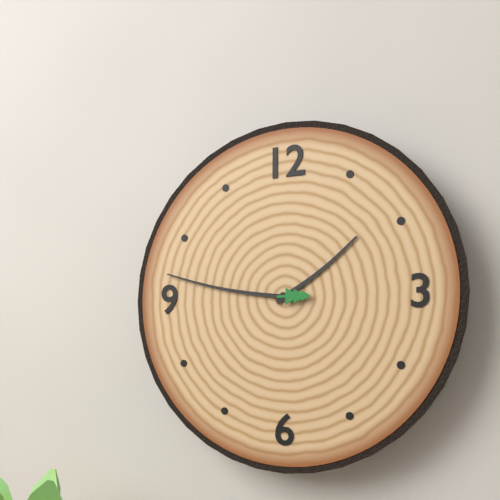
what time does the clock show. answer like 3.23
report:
1.47
